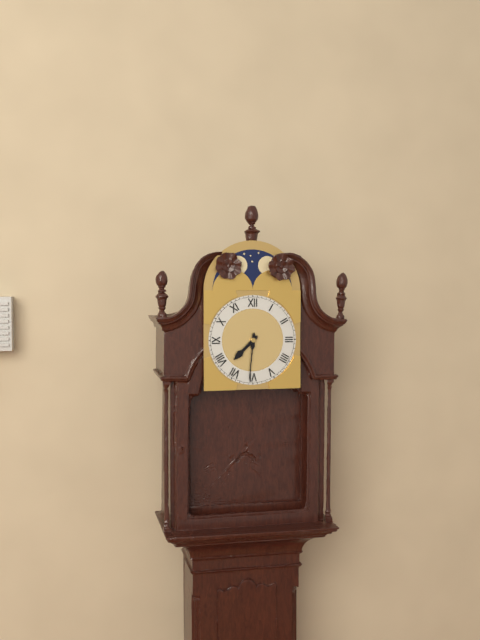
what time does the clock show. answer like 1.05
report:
7.31
